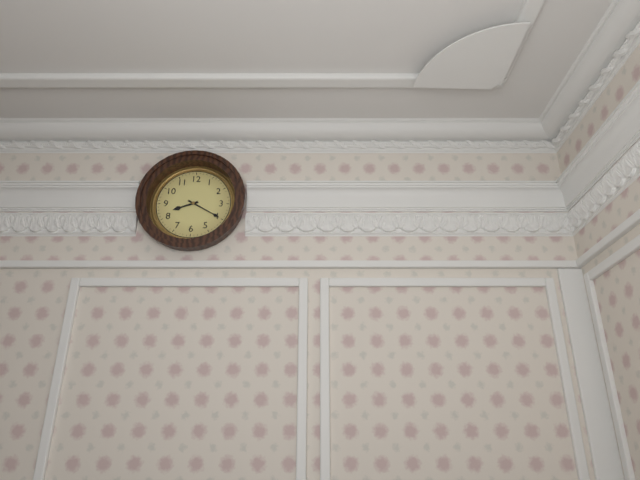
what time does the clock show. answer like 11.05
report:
8.20
